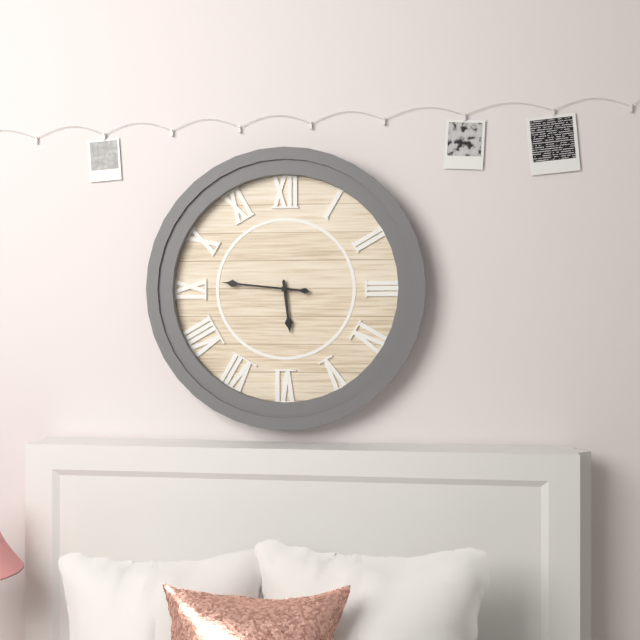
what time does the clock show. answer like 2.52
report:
5.46
